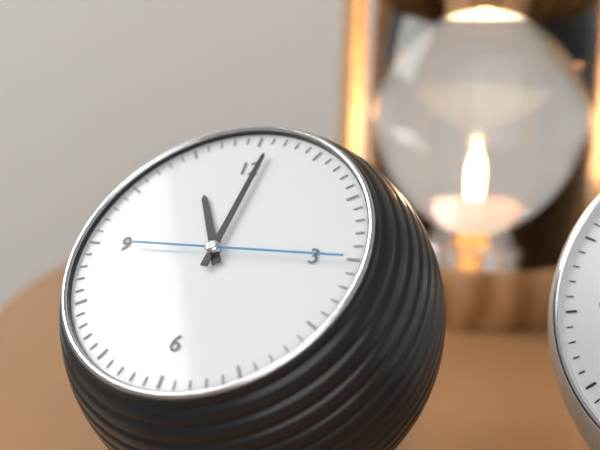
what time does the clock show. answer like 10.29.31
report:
11.01.15
